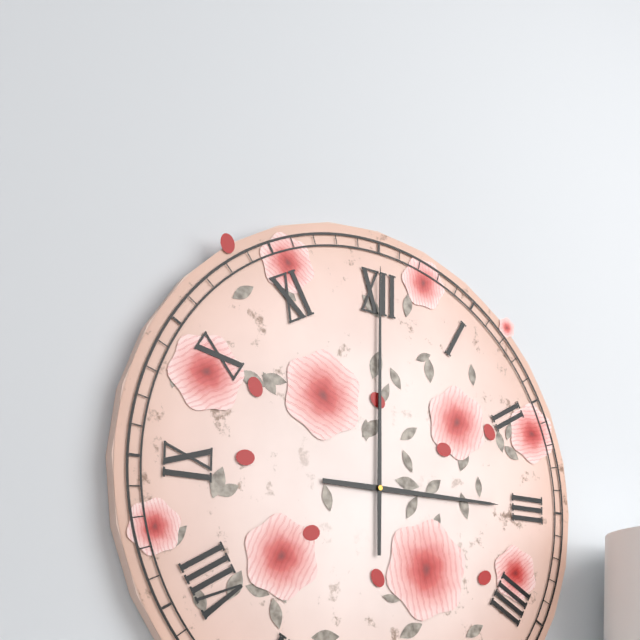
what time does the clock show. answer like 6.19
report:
3.00
